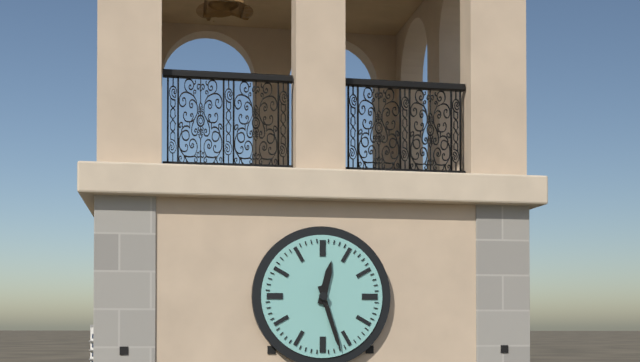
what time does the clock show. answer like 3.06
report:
12.27
